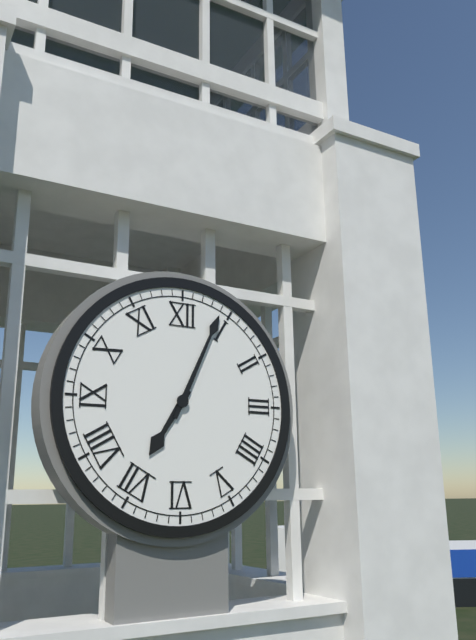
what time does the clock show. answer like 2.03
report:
7.04
